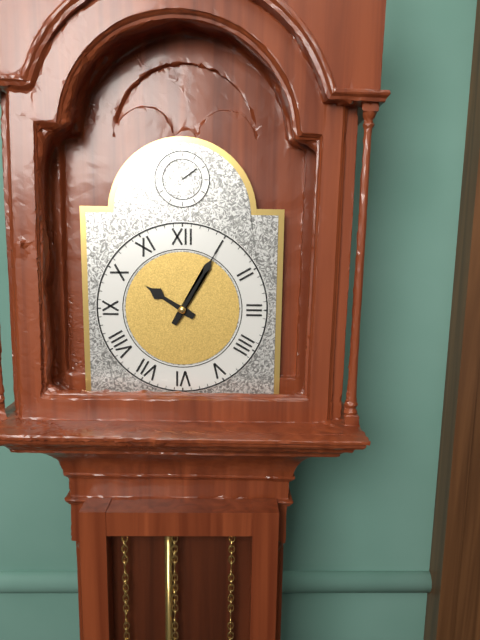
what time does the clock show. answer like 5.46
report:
10.05
